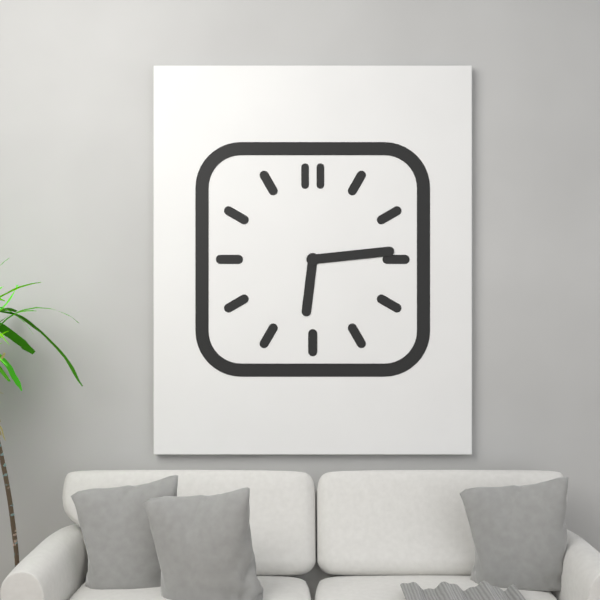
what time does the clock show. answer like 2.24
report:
6.14
